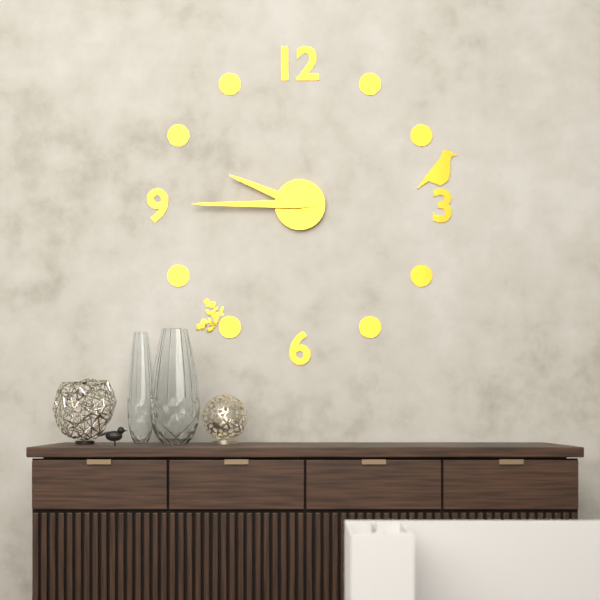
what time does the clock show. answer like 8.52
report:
9.45
